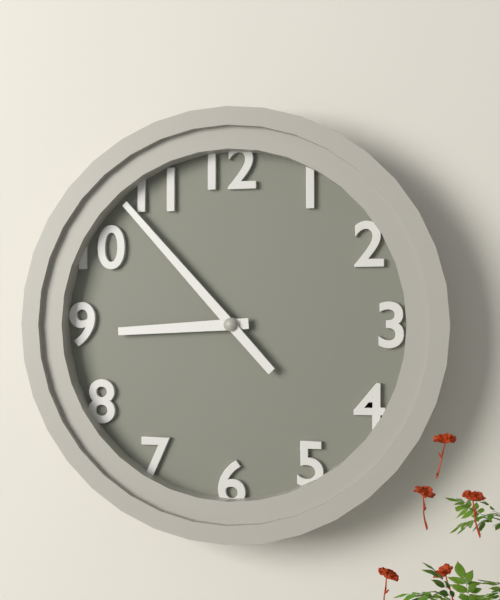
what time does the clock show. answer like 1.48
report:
8.53
